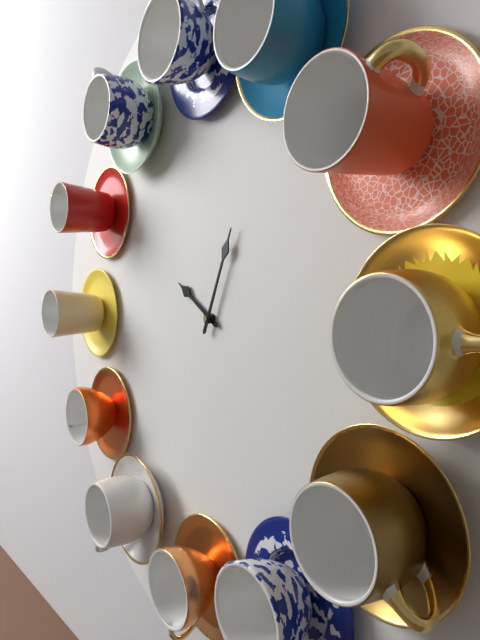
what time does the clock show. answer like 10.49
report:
10.04
